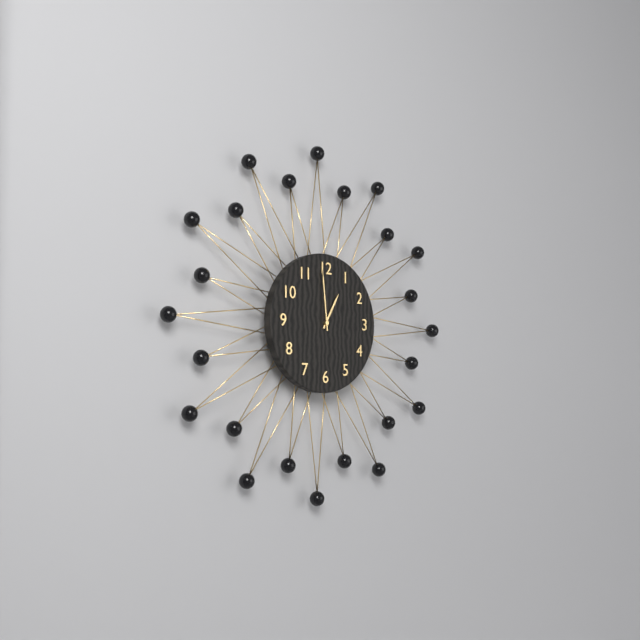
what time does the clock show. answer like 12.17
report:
12.59
